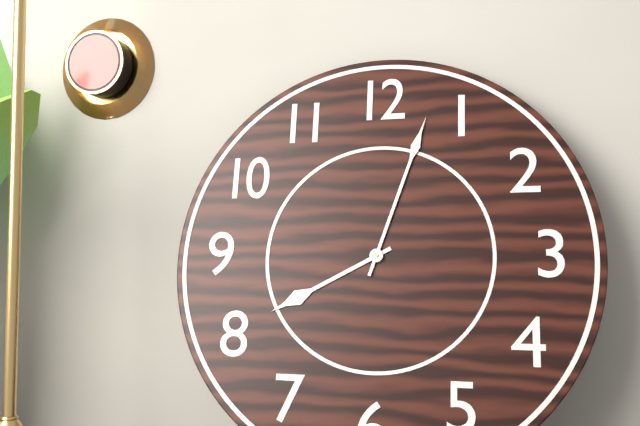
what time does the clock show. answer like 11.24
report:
8.03
